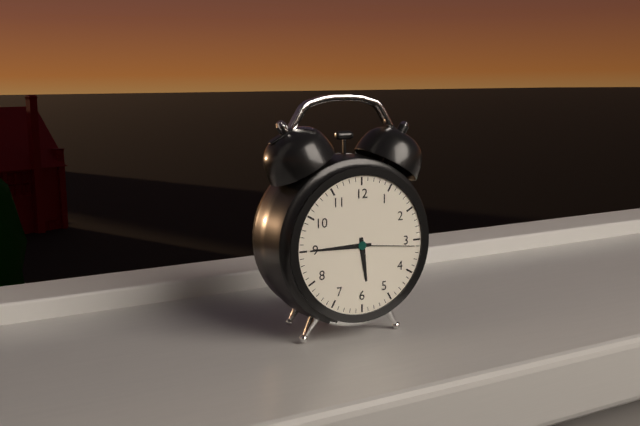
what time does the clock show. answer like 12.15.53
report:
5.45.16
